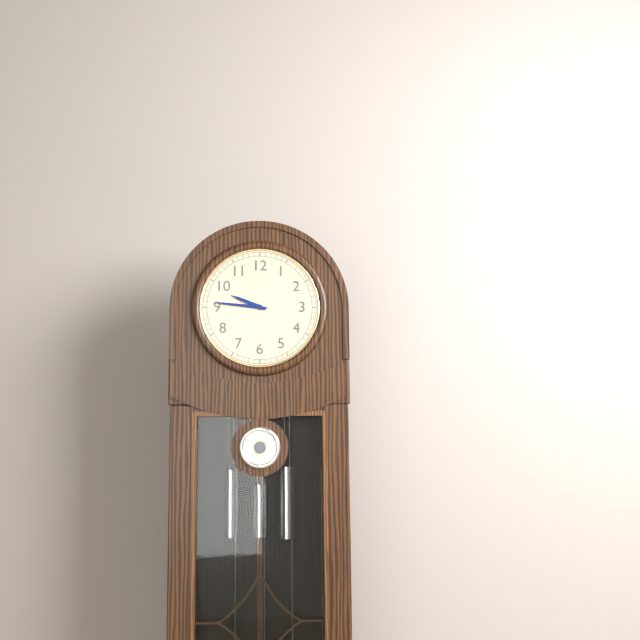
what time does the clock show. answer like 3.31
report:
9.46
